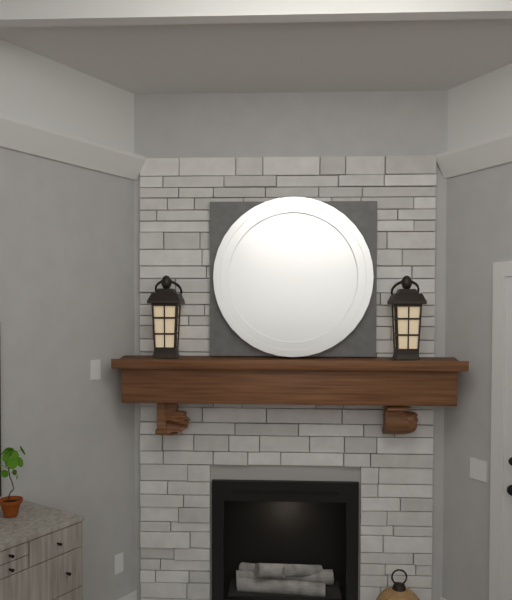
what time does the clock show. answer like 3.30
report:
1.43
